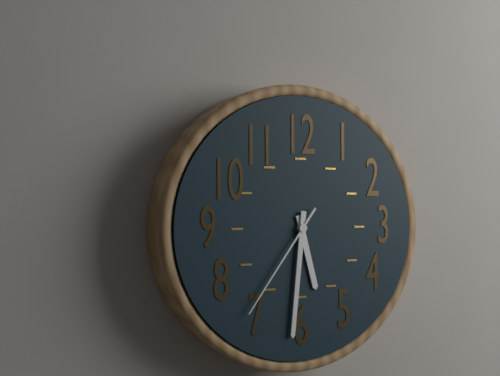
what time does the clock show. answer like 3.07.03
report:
5.31.36
